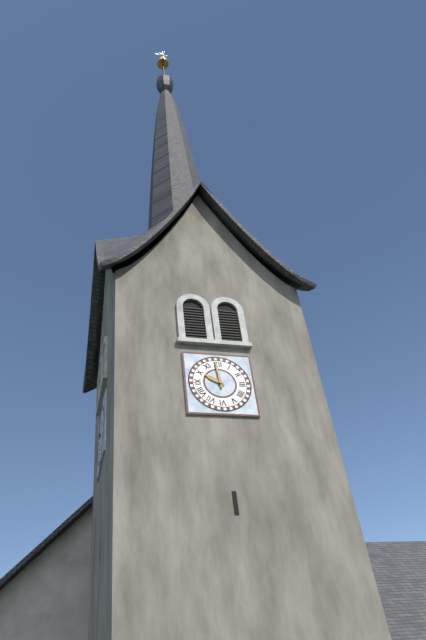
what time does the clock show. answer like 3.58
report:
9.59
